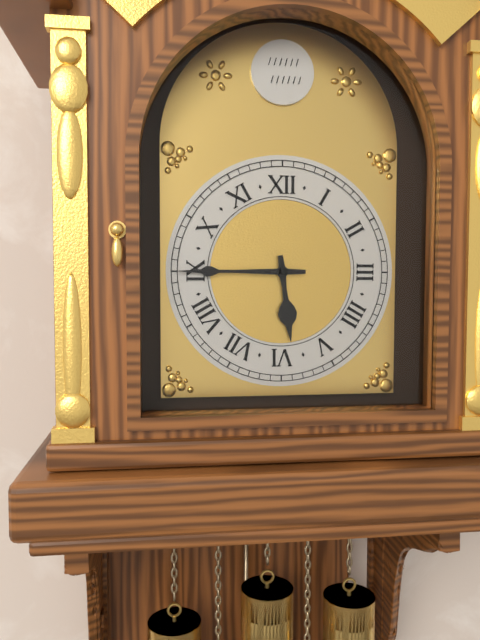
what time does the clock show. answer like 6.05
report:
5.45
